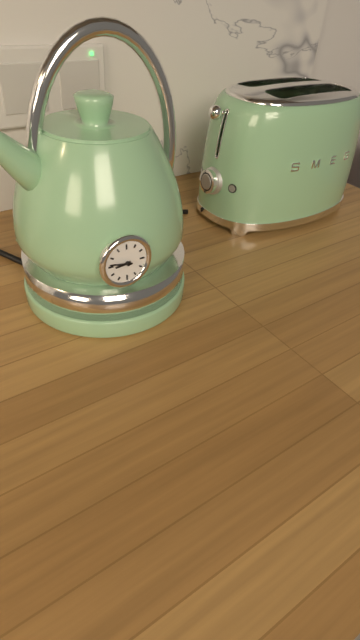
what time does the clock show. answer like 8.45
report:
8.47
